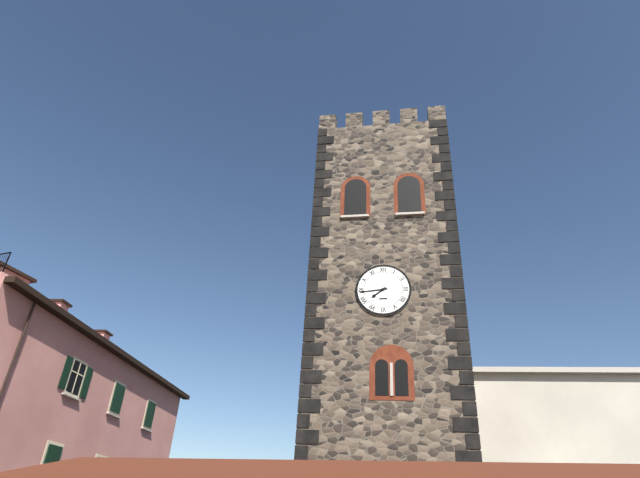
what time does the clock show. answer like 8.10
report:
7.44
